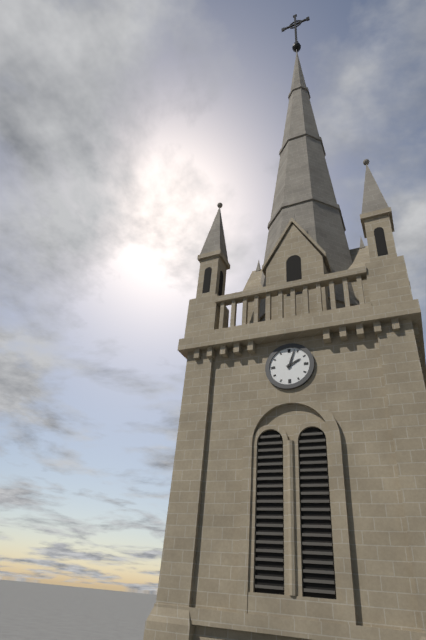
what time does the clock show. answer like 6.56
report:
2.03
